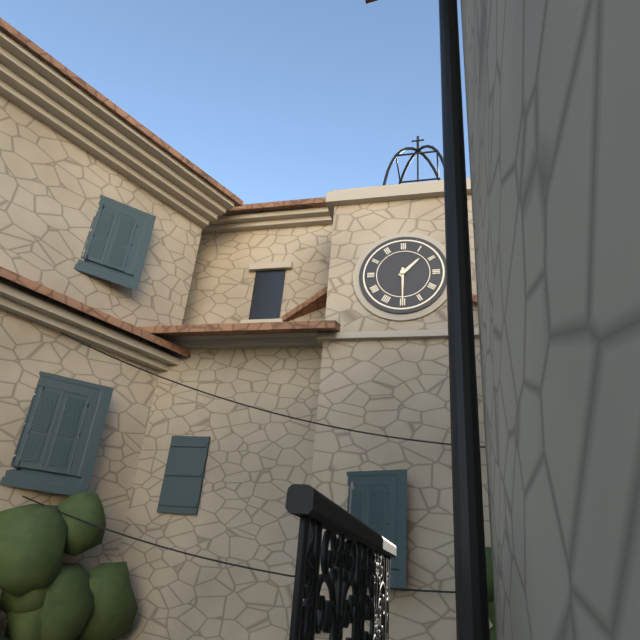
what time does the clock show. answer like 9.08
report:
1.30
